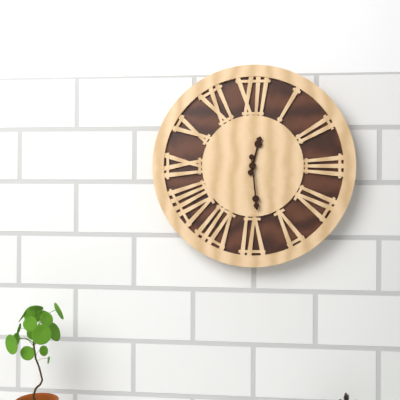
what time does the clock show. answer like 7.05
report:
12.29
